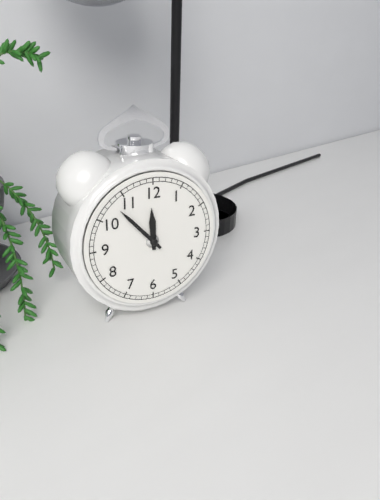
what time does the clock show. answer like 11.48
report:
11.53
